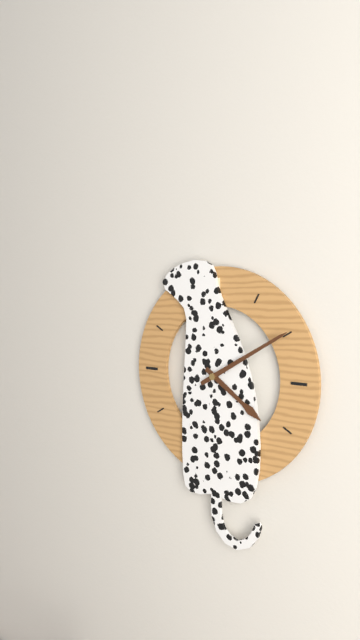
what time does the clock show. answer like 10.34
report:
4.10
